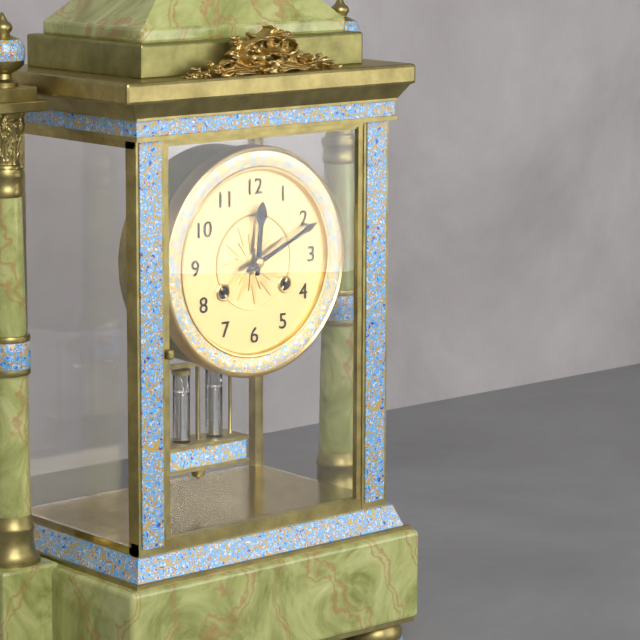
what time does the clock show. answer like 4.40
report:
12.11
